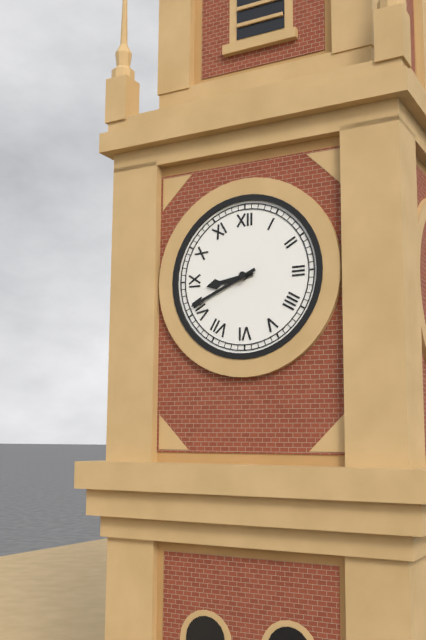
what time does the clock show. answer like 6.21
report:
8.41
